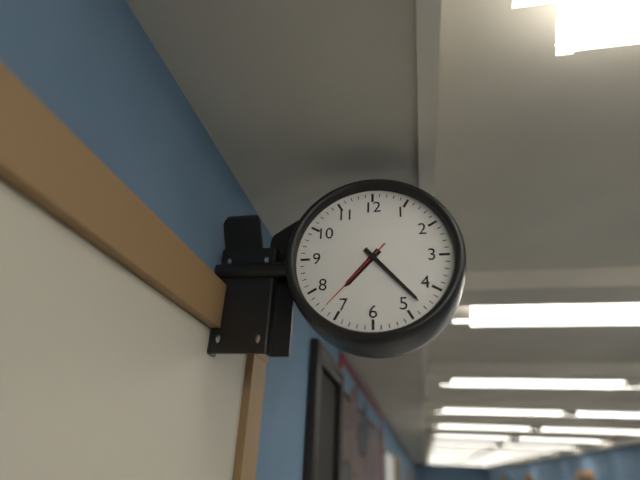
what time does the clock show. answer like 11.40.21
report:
7.23.37
